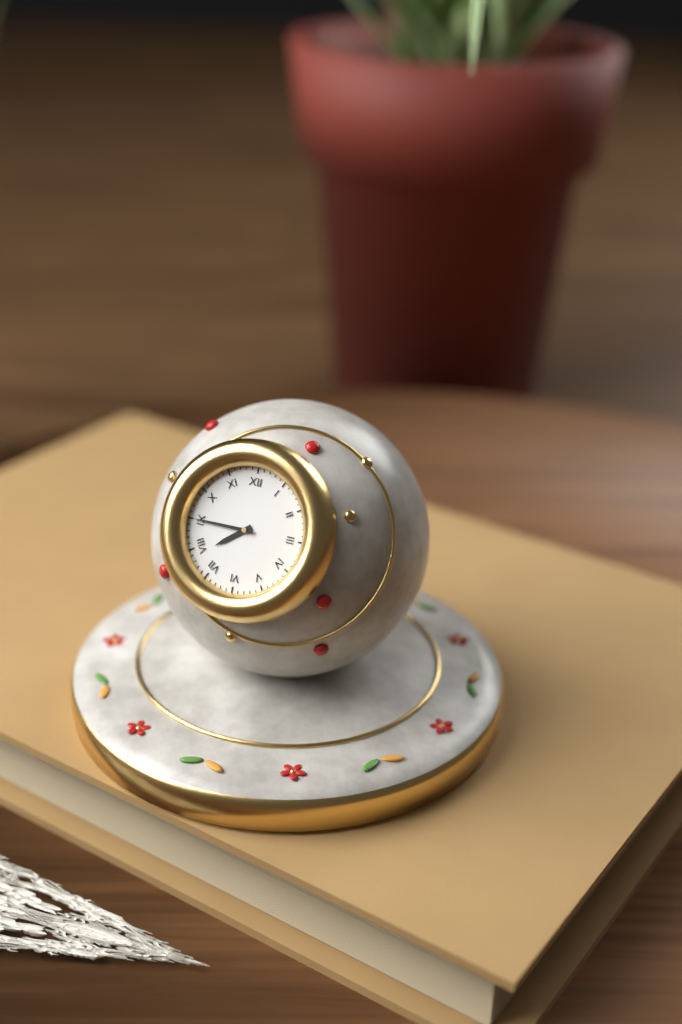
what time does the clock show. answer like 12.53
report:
7.45
